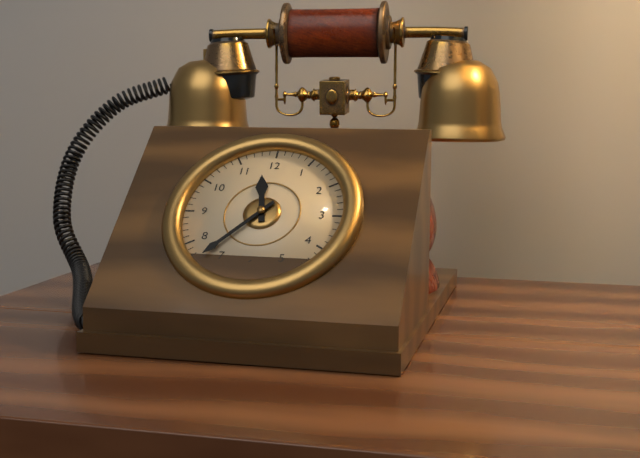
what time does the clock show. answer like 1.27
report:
11.37
